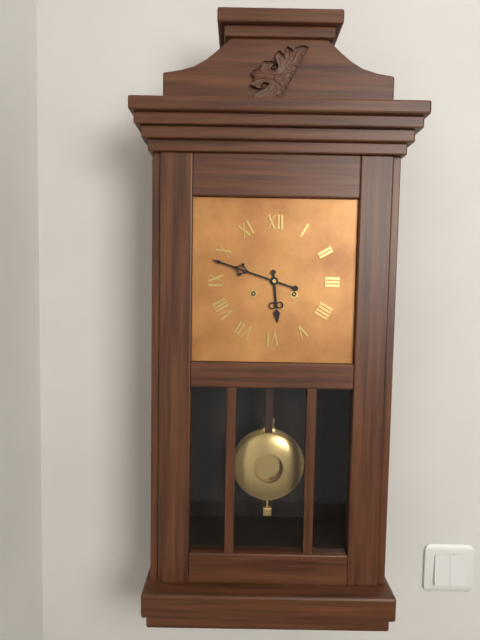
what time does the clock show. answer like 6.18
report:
5.48
